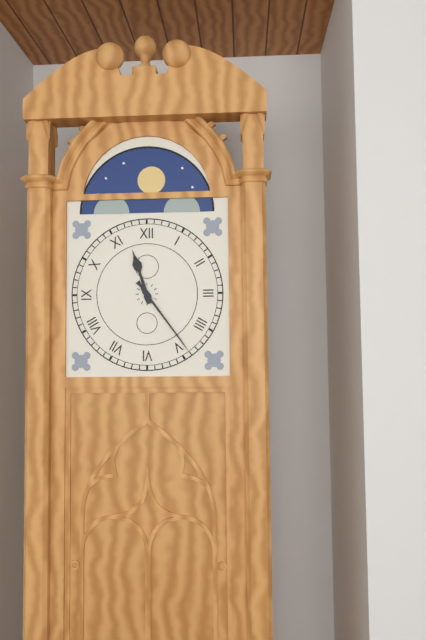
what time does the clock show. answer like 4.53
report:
11.24
